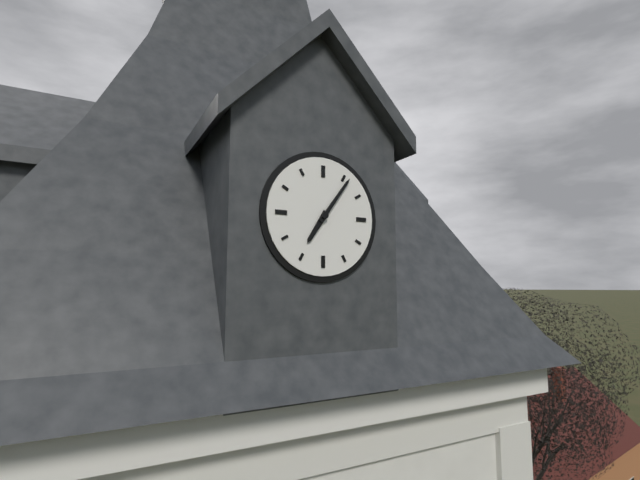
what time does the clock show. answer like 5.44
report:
7.06
